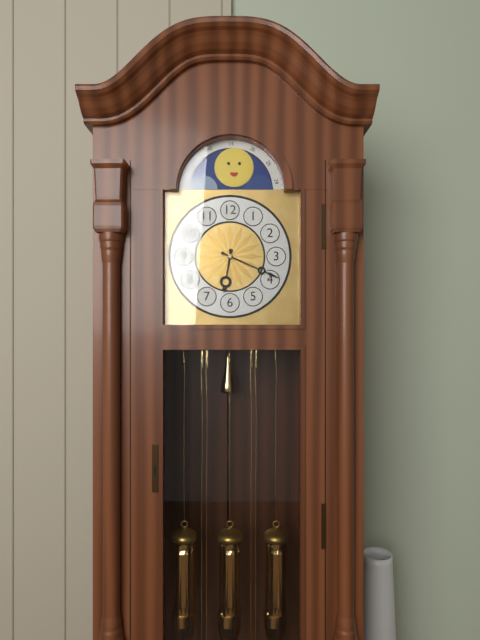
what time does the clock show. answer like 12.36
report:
6.19
